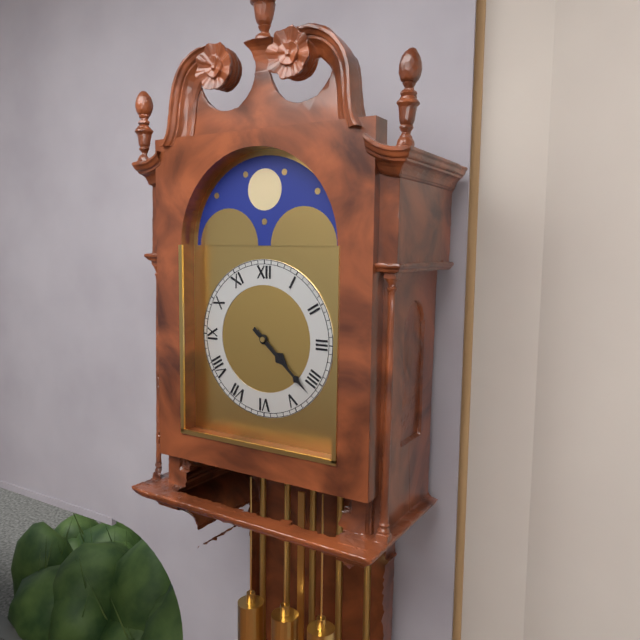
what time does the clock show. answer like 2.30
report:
4.22
